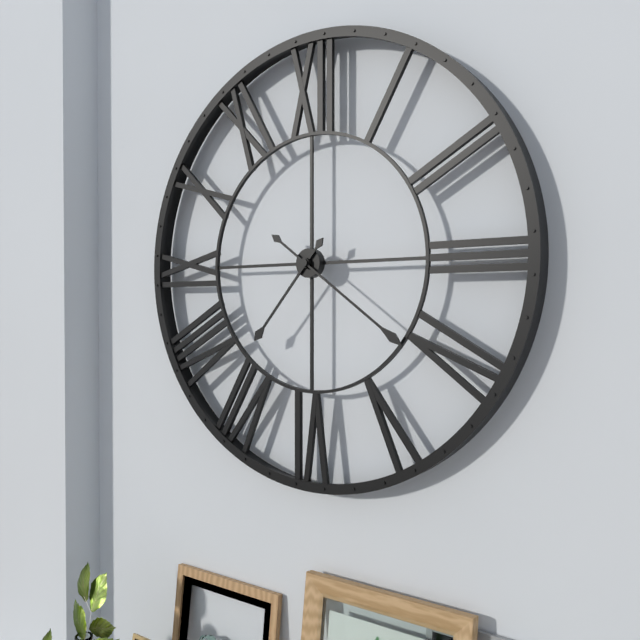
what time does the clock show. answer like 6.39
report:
7.21
